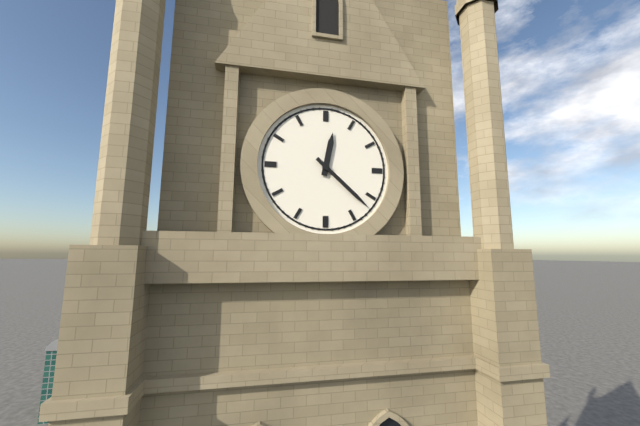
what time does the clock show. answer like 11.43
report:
12.22
